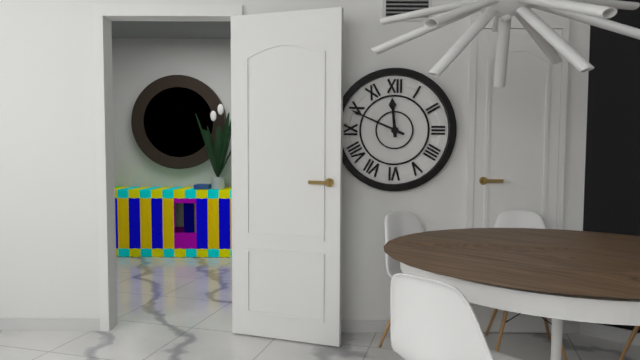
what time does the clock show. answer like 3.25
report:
11.49
